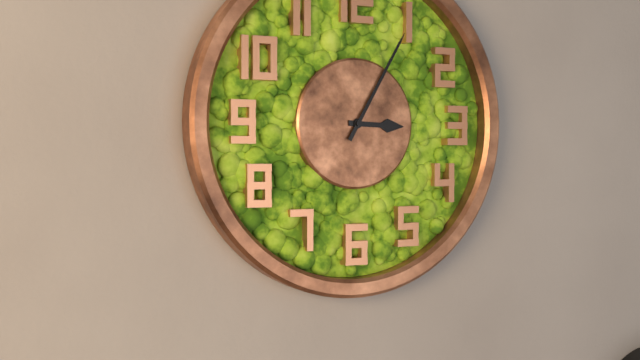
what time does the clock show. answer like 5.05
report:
3.05
